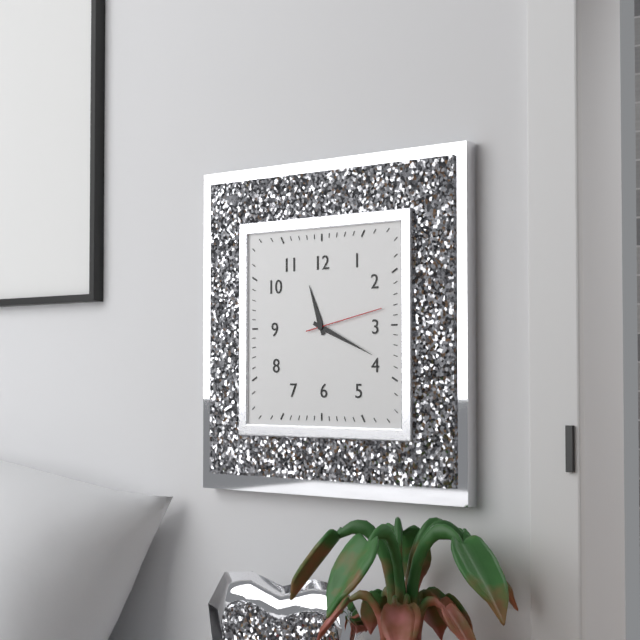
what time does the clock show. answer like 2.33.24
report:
11.19.13
